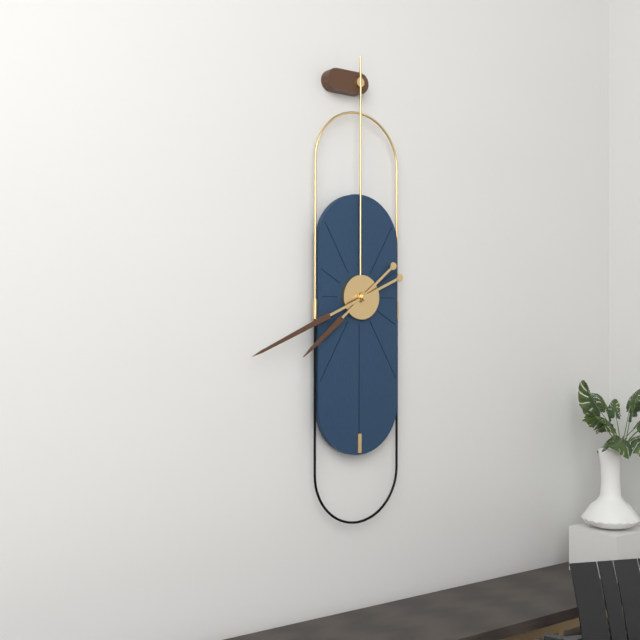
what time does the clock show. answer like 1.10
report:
7.41
